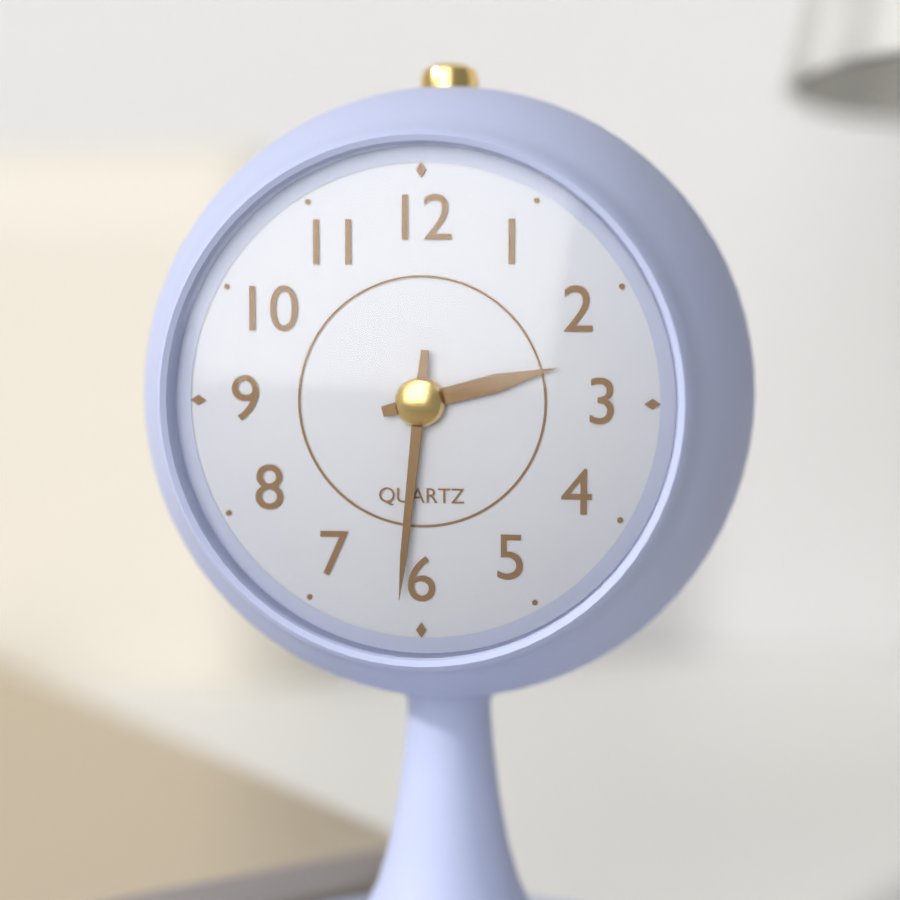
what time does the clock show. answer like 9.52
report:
2.31
